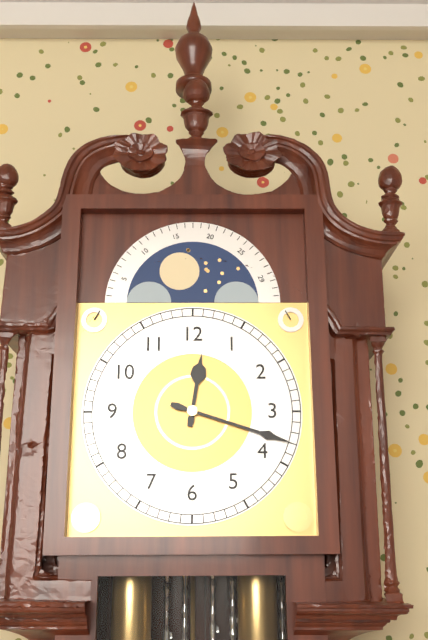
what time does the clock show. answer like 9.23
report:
12.18
